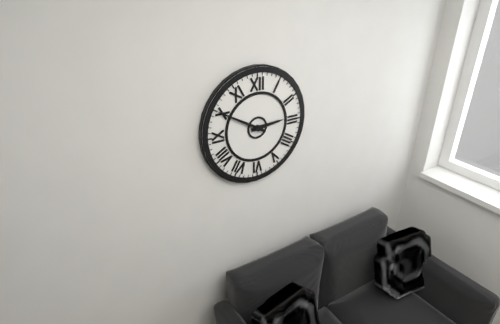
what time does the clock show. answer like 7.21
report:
2.50
